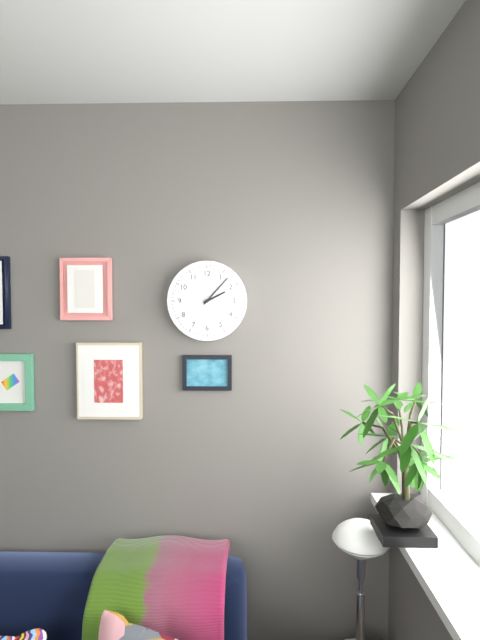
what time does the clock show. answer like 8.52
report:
2.07
